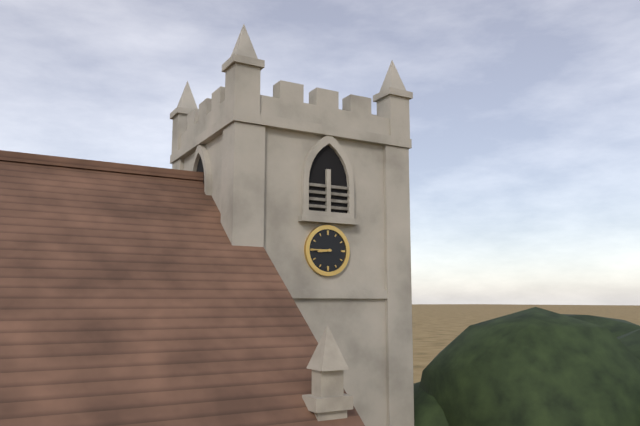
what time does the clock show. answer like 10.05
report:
8.45
